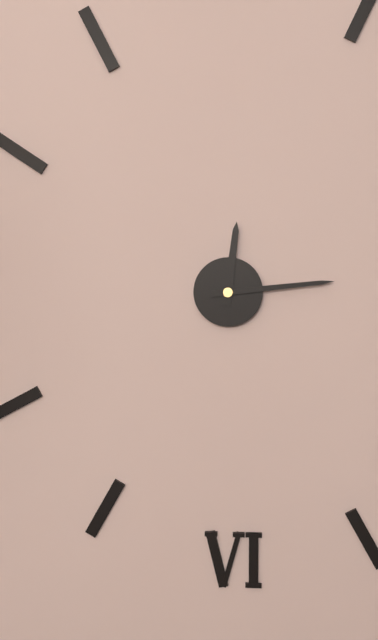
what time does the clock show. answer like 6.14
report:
12.14
